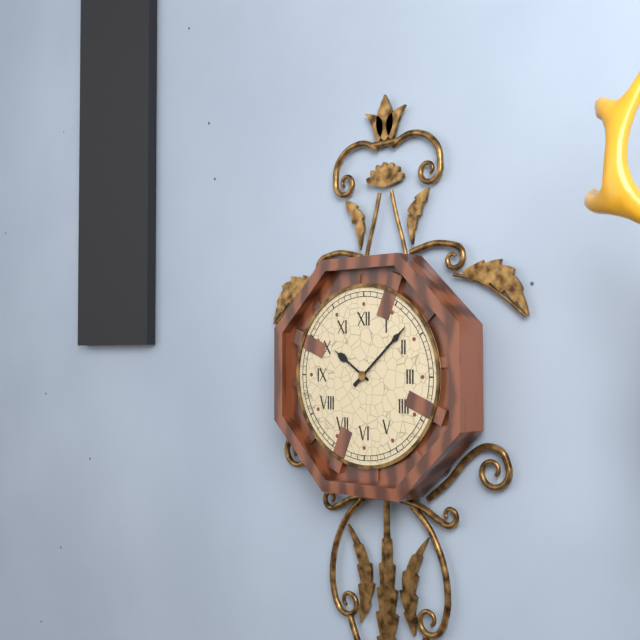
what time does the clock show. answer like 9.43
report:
10.08
